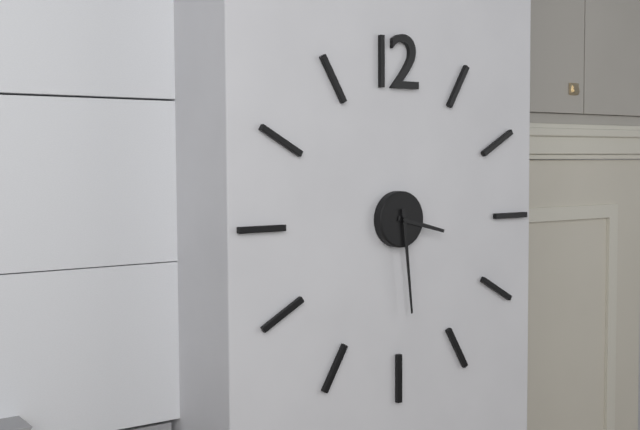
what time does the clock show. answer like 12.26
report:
3.29
